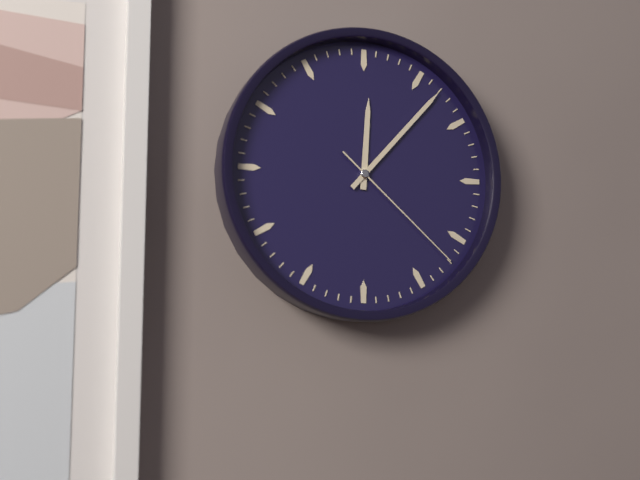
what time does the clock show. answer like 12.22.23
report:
12.07.22
